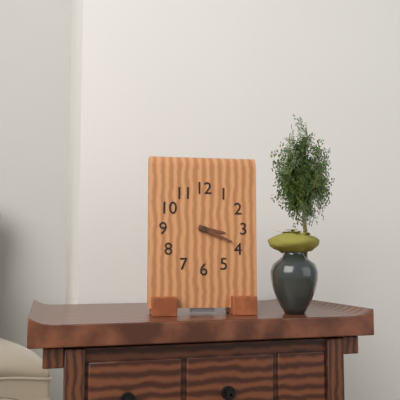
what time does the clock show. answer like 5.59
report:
3.19
